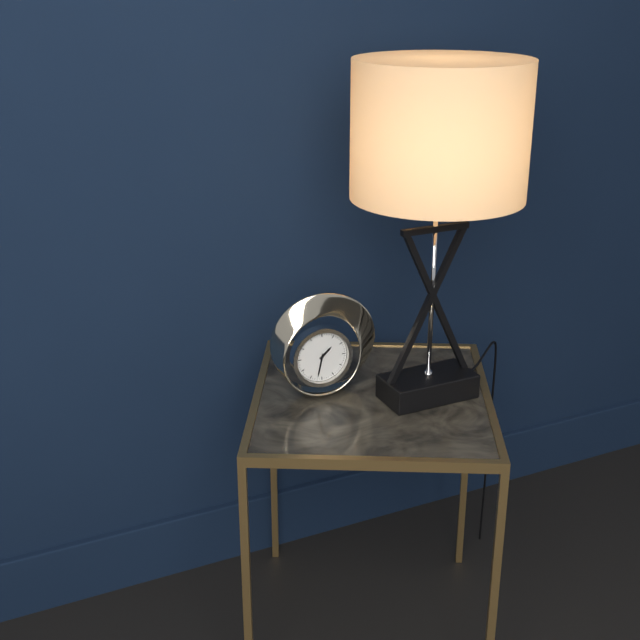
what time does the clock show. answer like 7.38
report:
1.32
